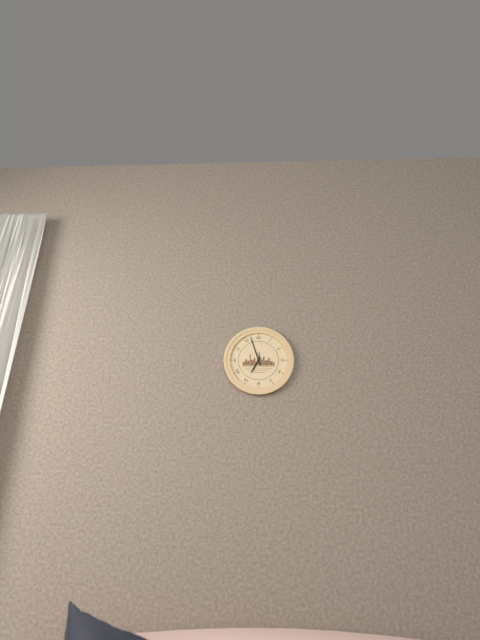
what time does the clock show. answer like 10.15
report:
6.57
